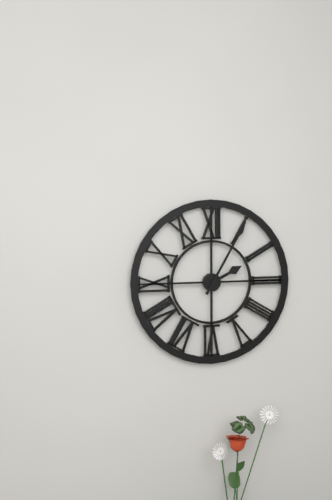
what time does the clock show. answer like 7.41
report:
2.05
